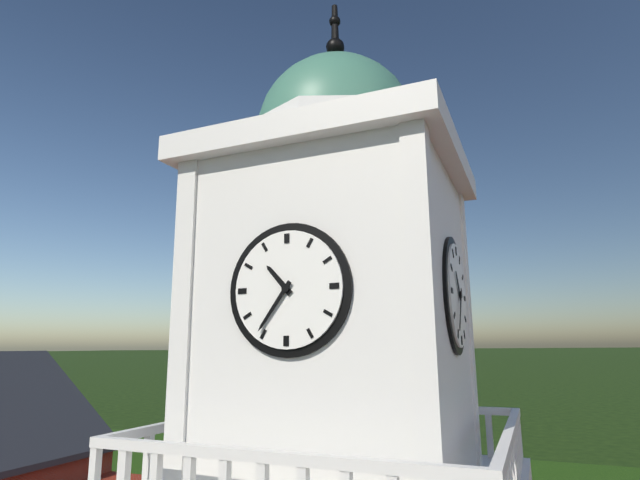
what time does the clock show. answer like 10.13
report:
10.36
